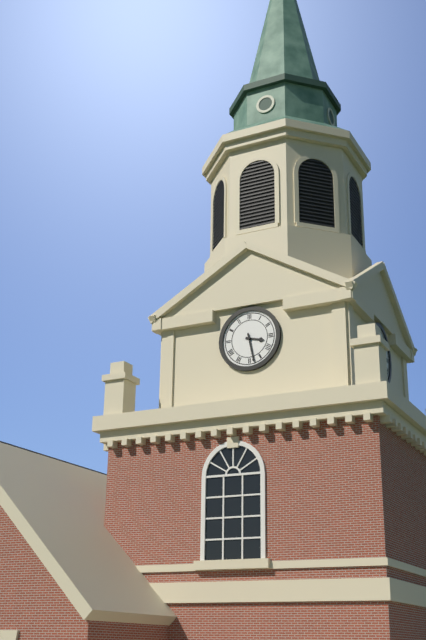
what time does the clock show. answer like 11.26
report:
3.28
